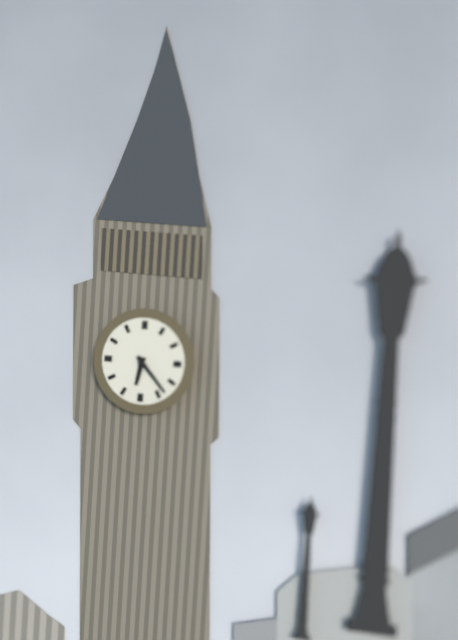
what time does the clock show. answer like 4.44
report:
6.23
